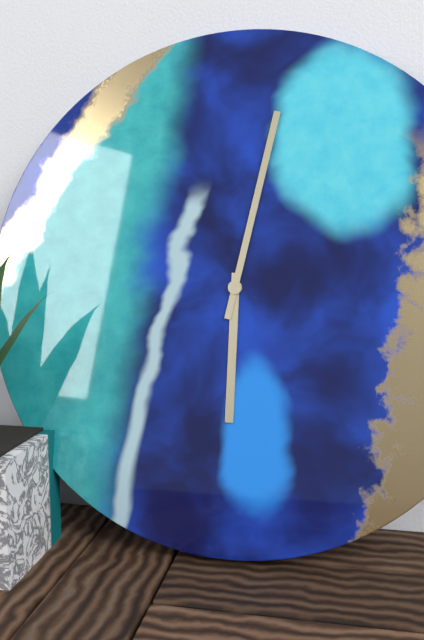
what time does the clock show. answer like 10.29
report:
6.02
